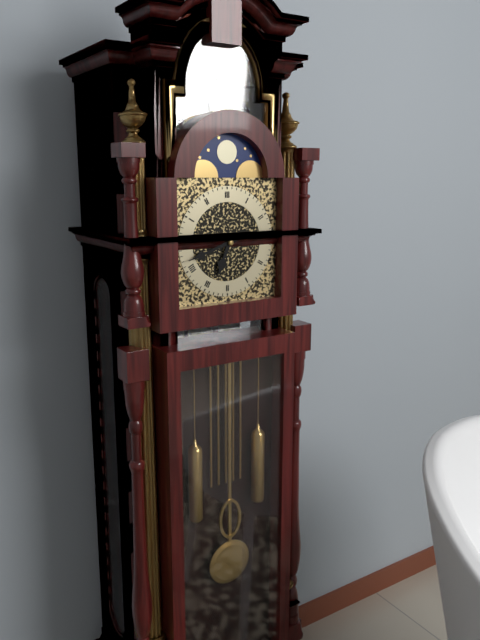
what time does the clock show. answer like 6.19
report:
6.42
